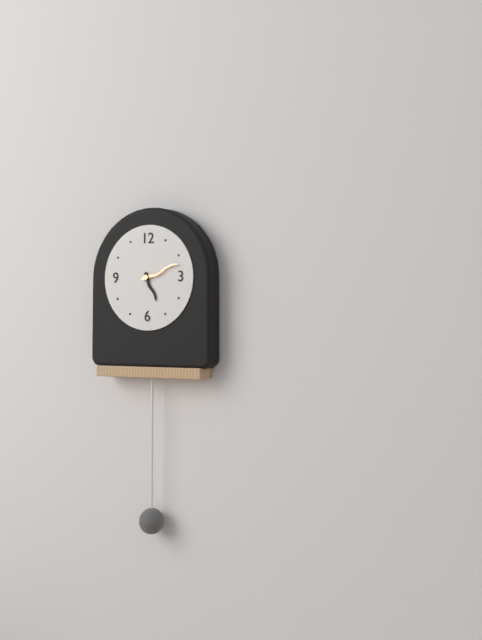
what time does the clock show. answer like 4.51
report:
5.12
